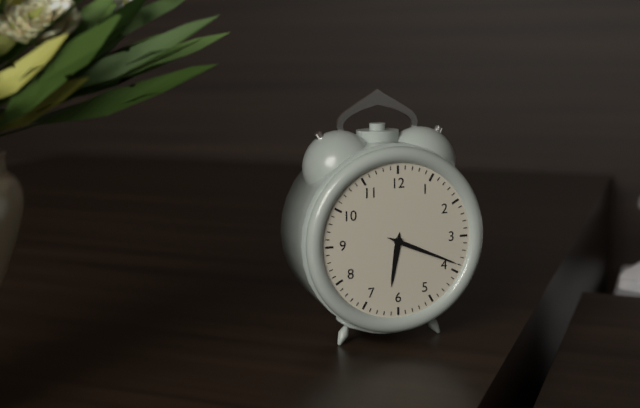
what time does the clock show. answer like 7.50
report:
6.19
